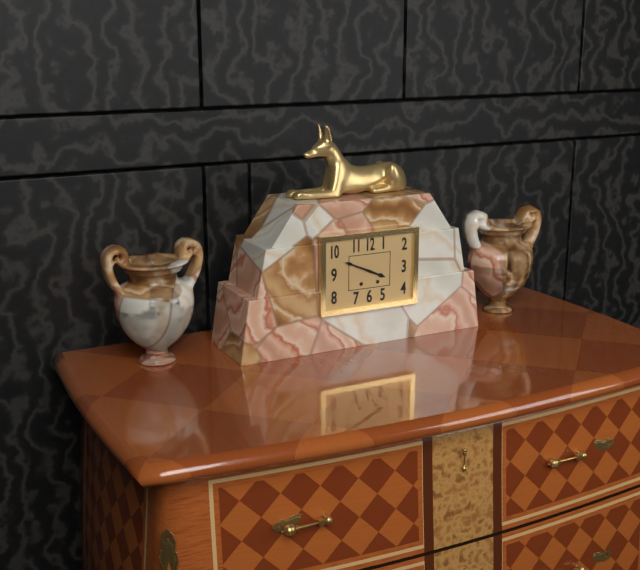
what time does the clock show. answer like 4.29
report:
3.49
